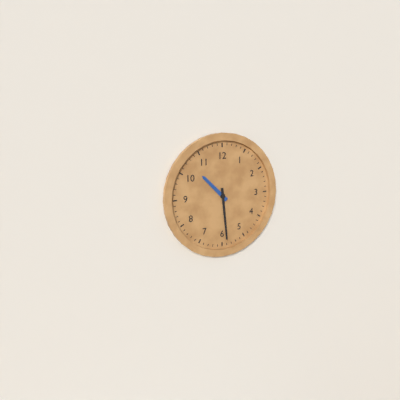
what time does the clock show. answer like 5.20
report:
10.29
